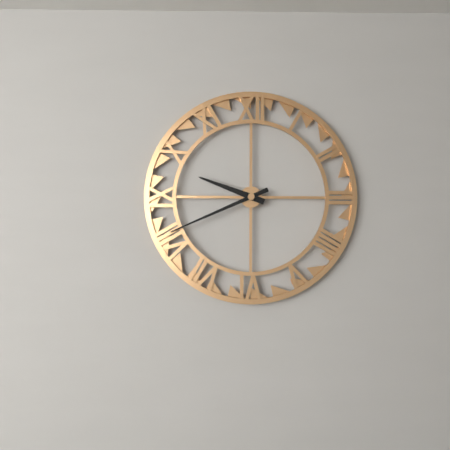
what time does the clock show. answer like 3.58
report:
9.41
